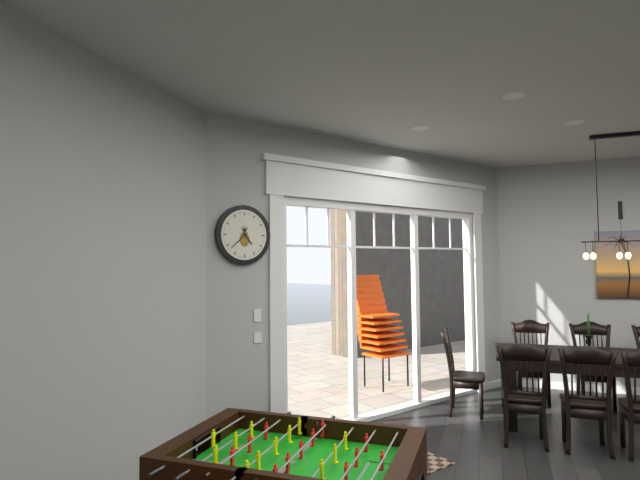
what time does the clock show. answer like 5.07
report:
4.38
